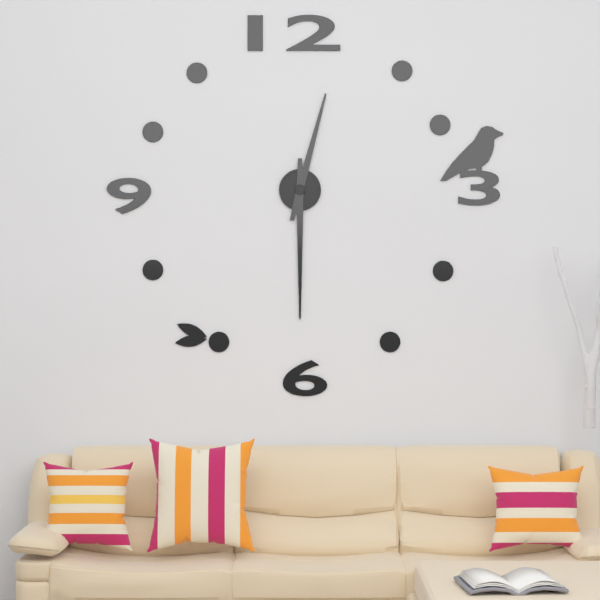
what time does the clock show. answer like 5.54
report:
12.30
